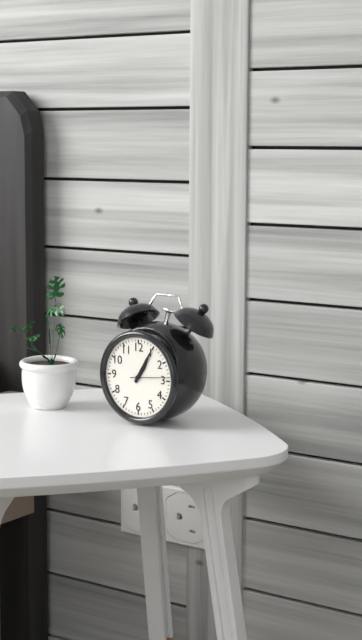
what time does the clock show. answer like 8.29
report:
1.05
